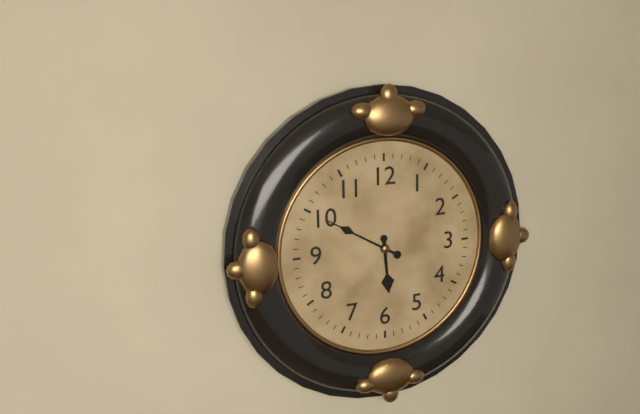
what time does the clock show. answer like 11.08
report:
5.50
